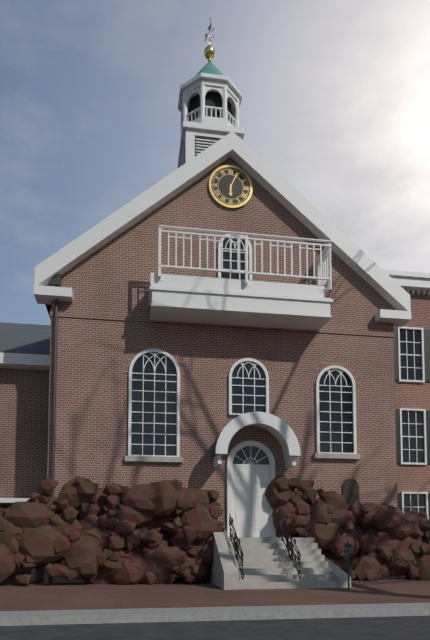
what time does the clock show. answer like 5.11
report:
6.04
